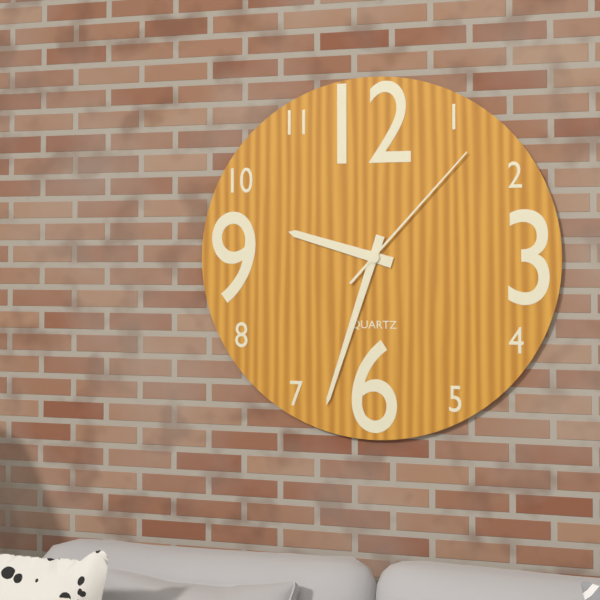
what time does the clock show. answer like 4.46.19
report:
9.33.07
